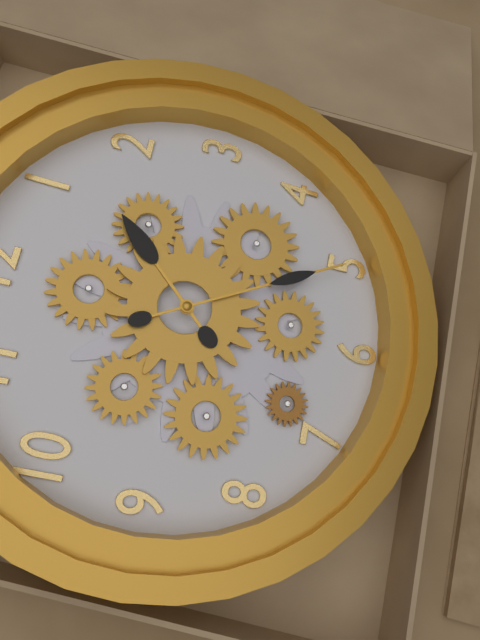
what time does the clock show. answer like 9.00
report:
1.25
